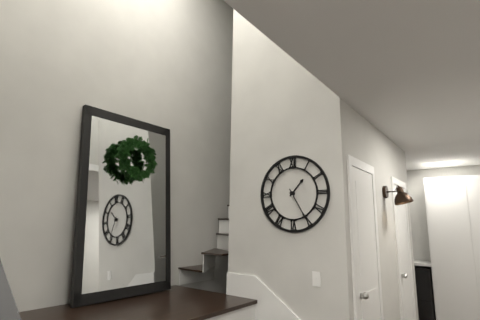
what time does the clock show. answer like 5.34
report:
1.25
